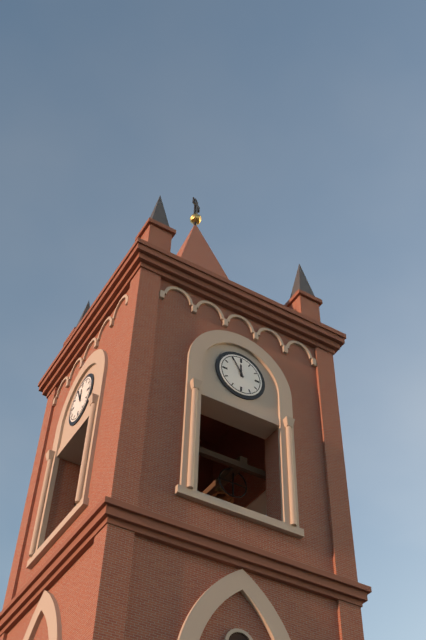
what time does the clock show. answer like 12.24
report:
11.55
